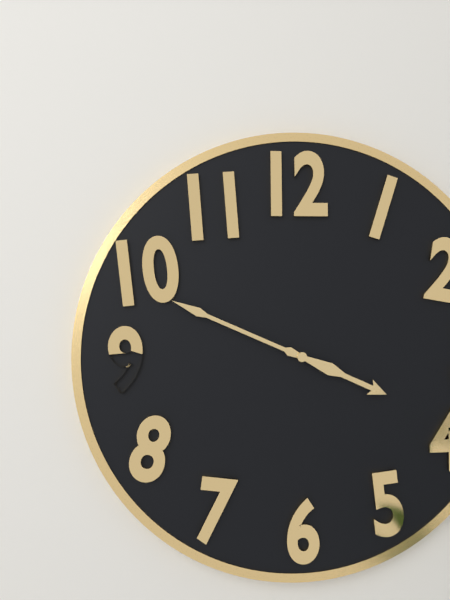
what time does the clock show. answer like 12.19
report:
3.49
